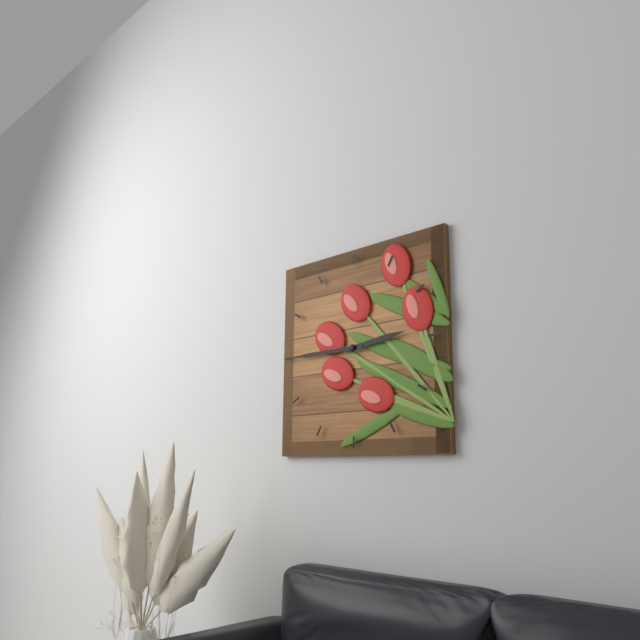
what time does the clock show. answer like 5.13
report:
2.45
